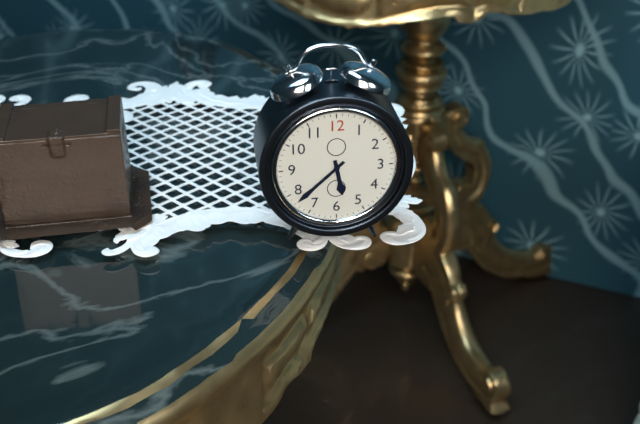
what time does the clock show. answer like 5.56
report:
5.38
